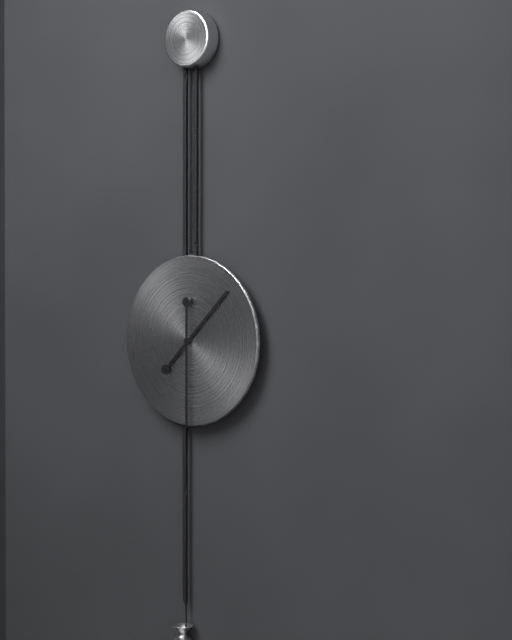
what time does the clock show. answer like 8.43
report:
1.30
